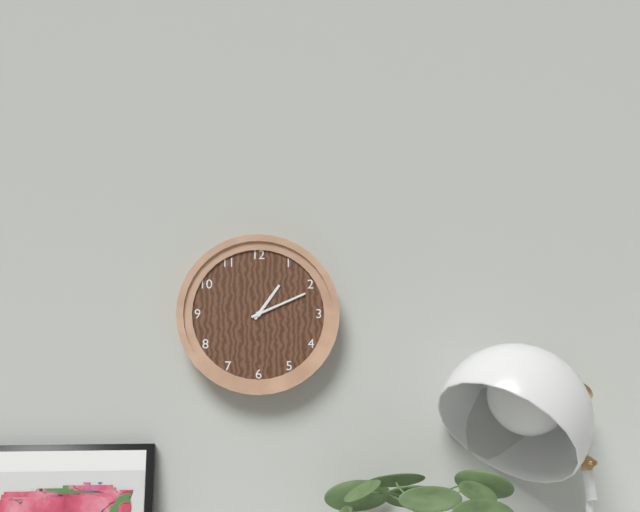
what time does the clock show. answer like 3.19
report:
1.11
